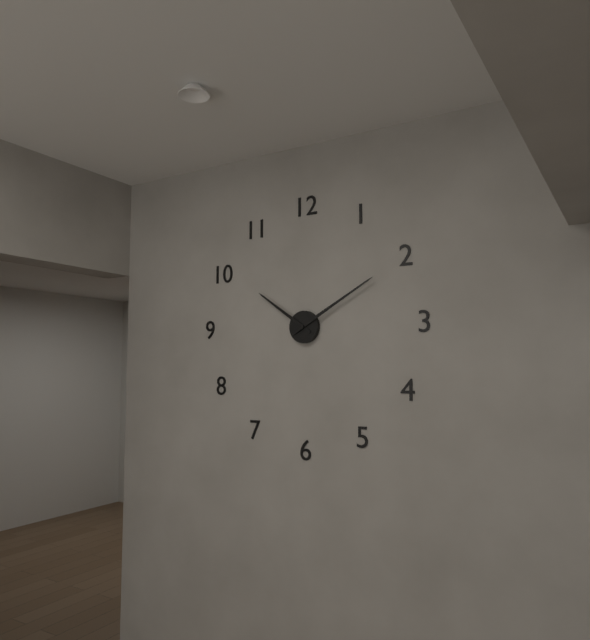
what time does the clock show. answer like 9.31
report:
10.10
